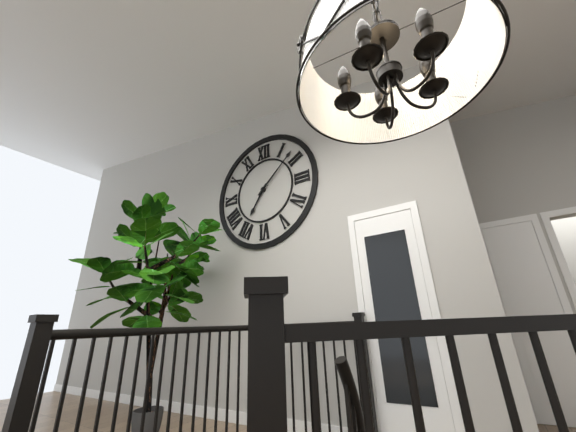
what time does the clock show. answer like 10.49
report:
7.08
